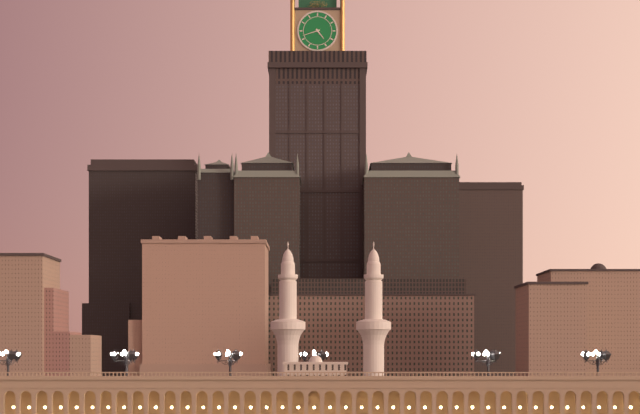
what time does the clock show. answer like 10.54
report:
4.42
